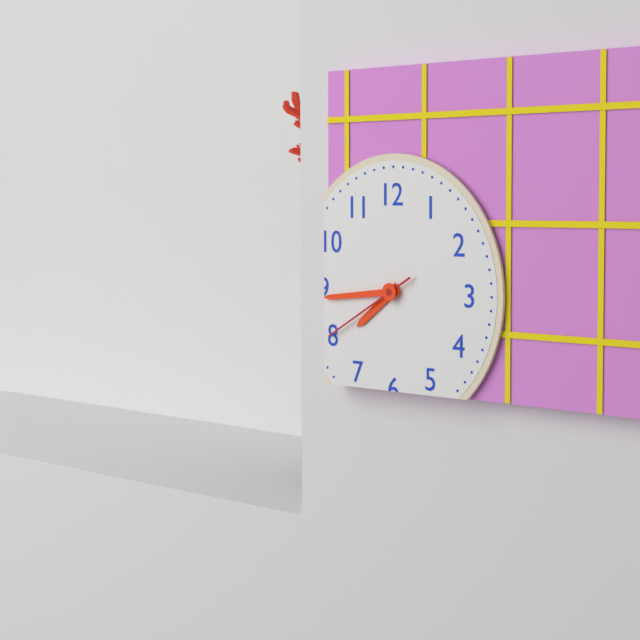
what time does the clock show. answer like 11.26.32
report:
7.44.40
